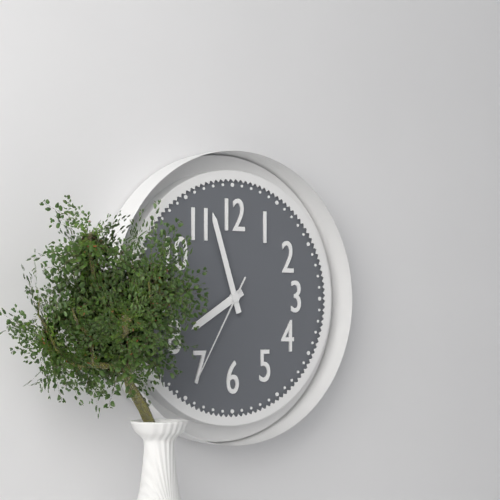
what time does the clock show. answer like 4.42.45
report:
7.57.35
